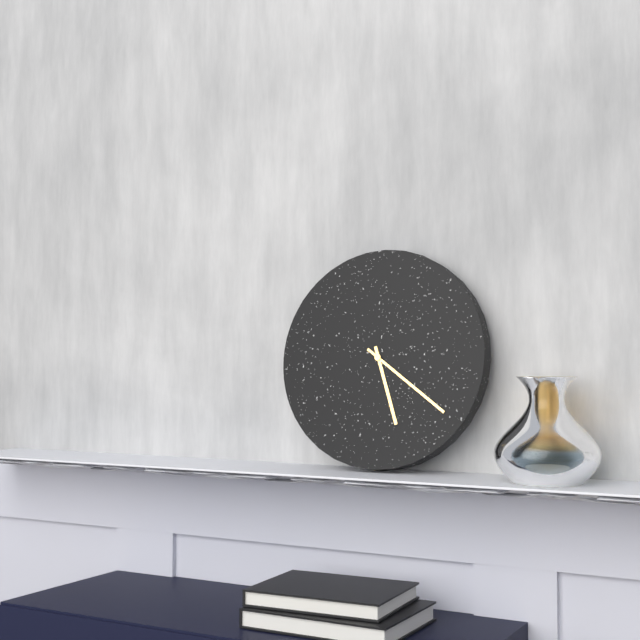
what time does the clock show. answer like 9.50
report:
5.21
